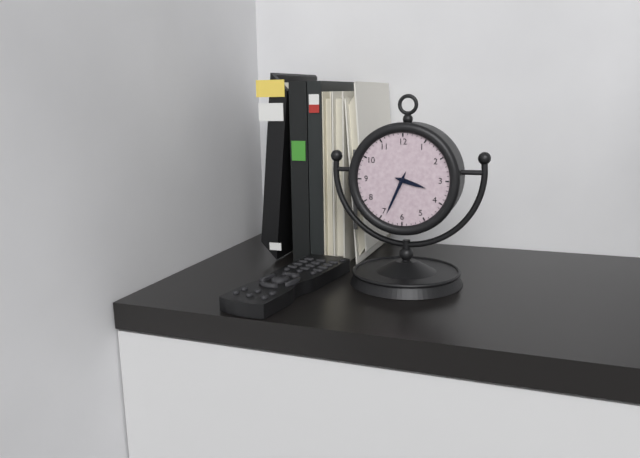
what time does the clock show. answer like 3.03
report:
3.34
